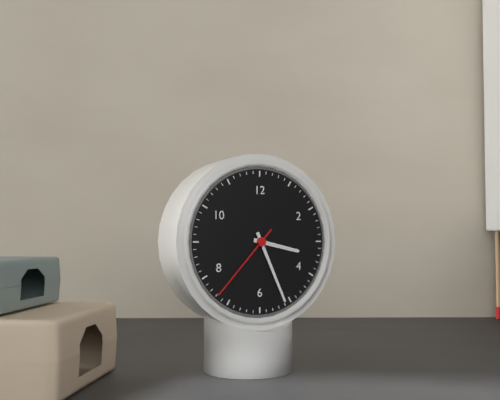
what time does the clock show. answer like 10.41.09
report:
3.26.37
